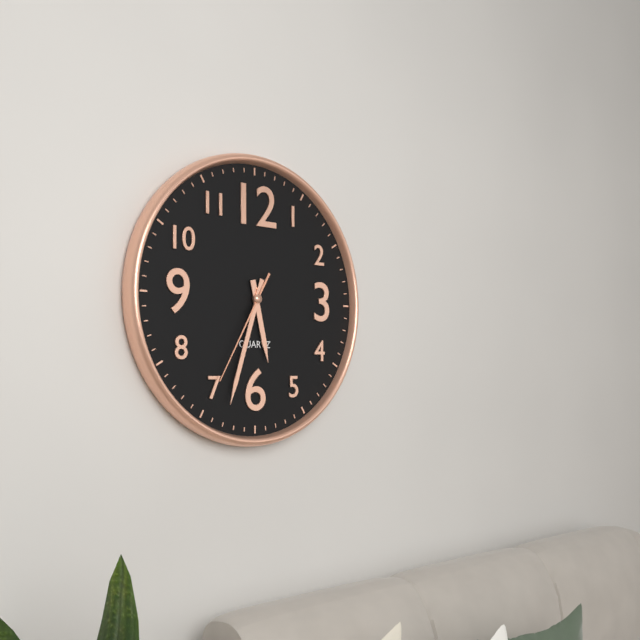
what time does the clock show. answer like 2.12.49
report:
5.33.35
